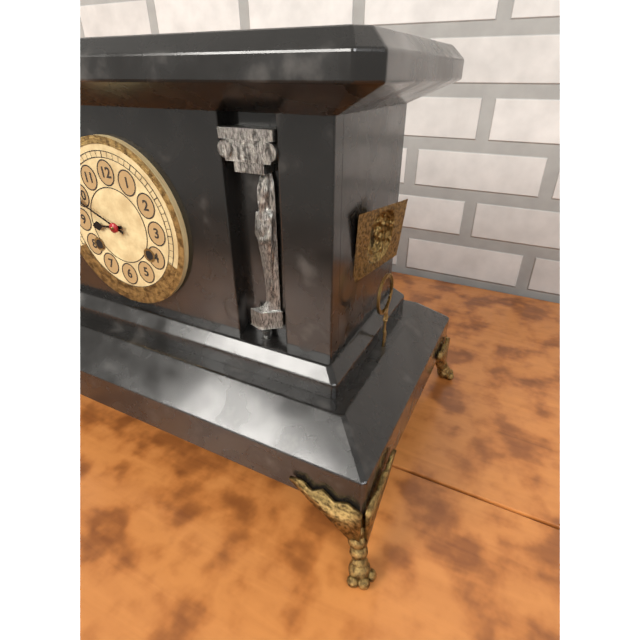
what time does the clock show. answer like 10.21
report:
8.49
